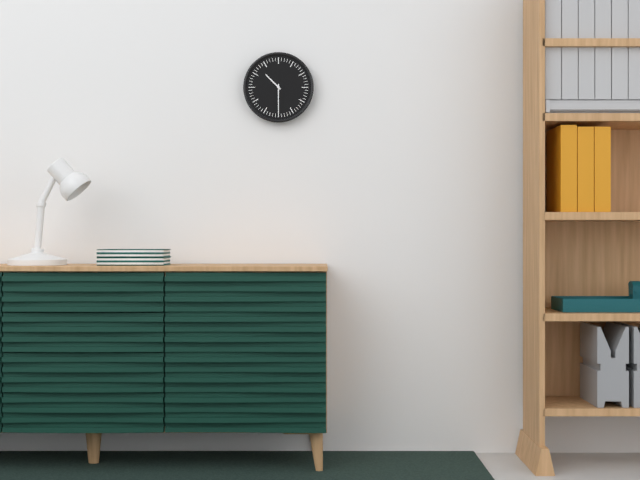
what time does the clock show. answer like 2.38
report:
10.30
